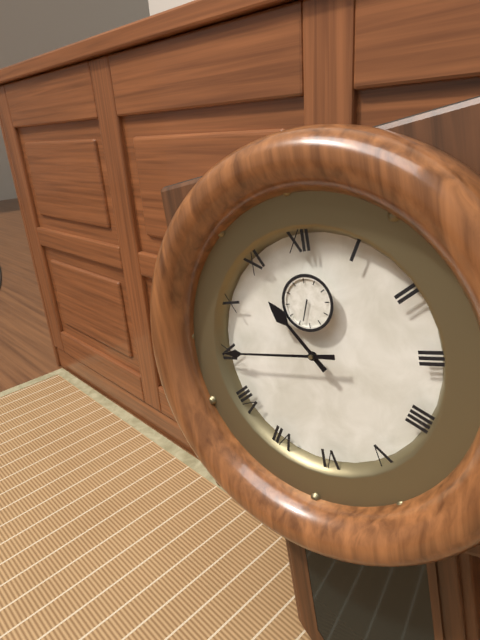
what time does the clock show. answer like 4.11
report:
10.45
